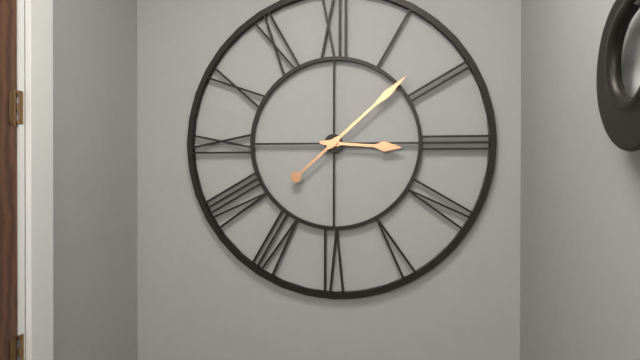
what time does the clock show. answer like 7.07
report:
3.08
